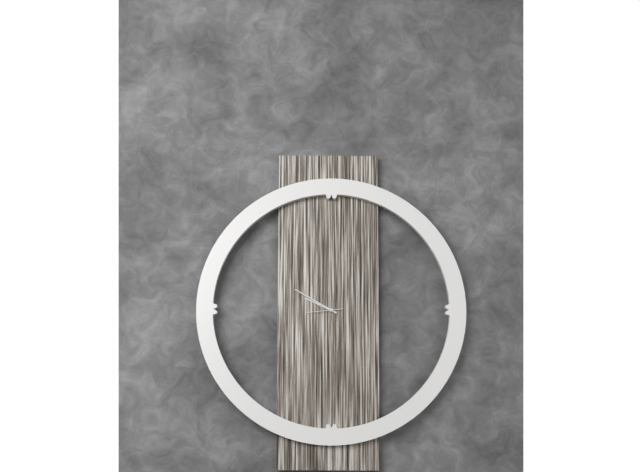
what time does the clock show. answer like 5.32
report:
9.50
